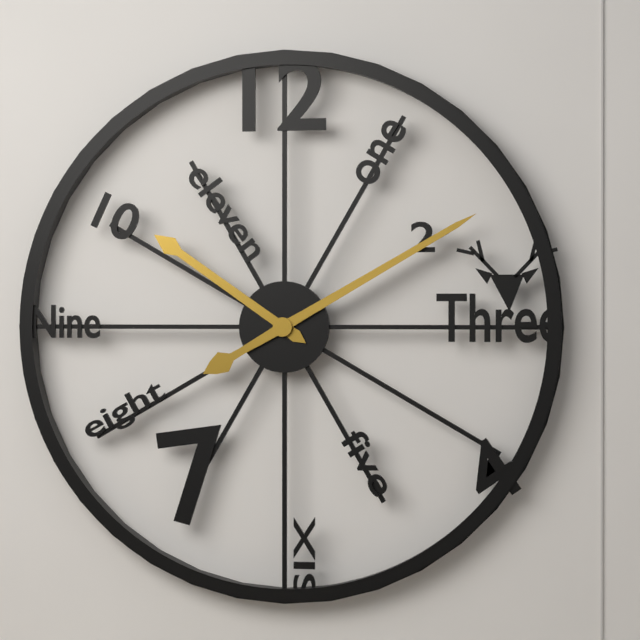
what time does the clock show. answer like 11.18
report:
10.10
